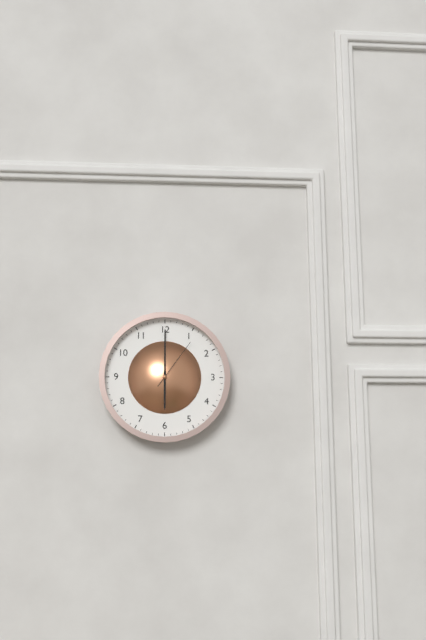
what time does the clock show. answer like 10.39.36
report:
6.00.06
